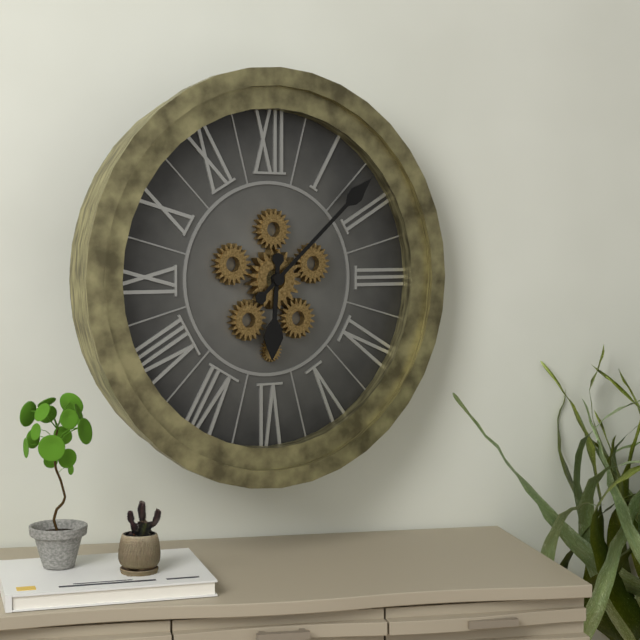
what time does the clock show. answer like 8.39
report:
6.08
